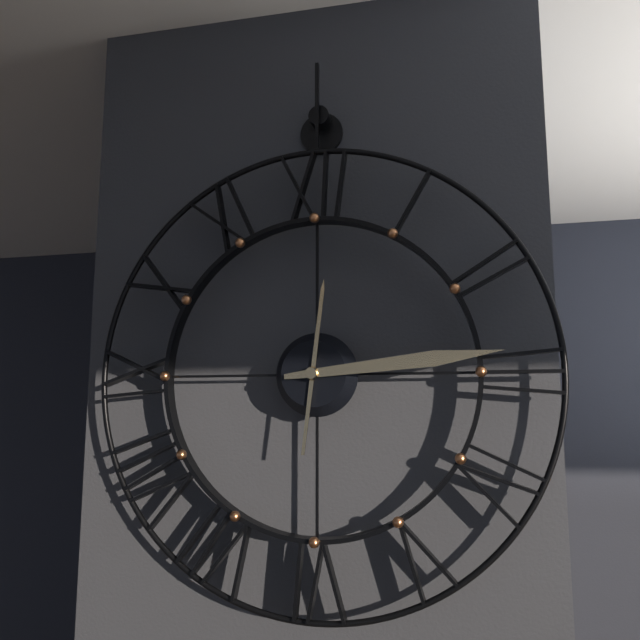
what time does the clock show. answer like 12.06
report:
12.14
